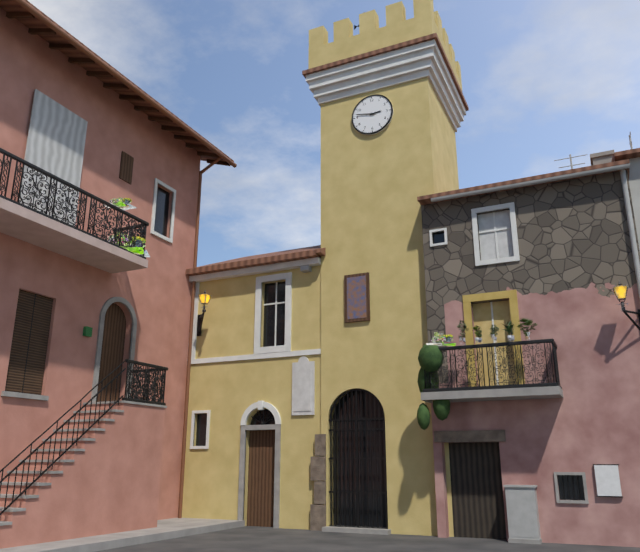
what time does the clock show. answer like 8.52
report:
2.47
